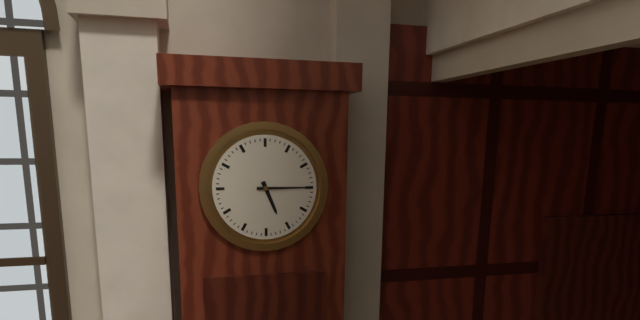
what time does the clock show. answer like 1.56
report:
5.15
